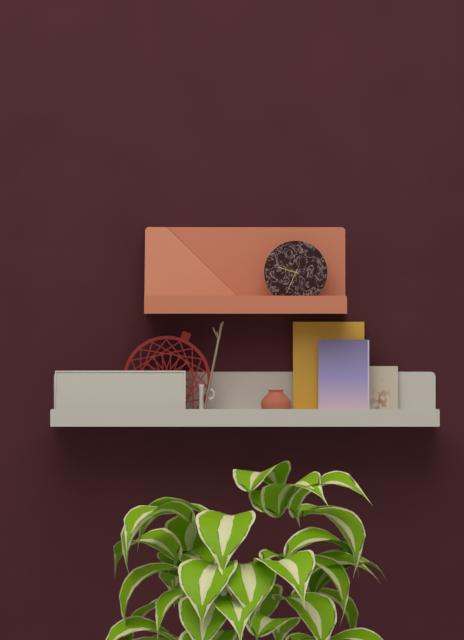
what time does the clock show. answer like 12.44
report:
9.34
